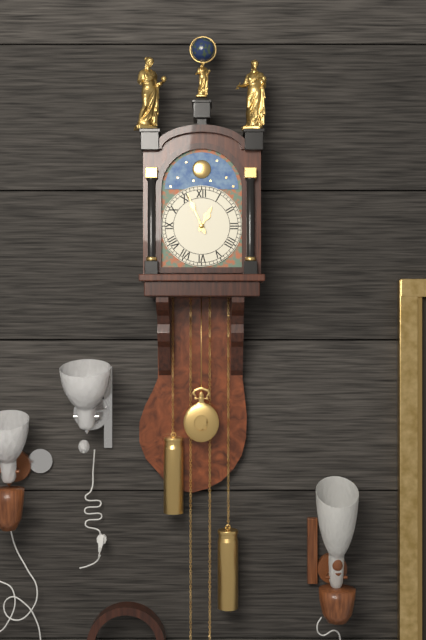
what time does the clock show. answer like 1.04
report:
12.56
